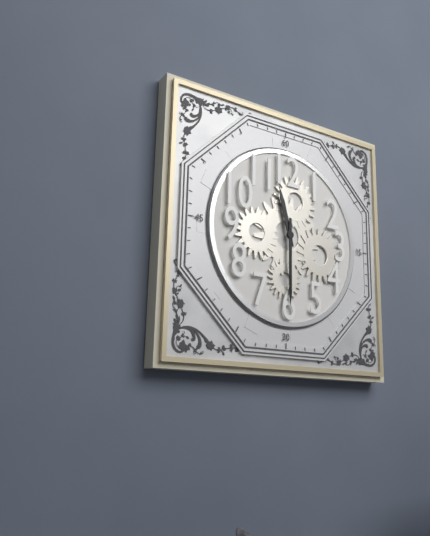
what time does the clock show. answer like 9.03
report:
11.30
